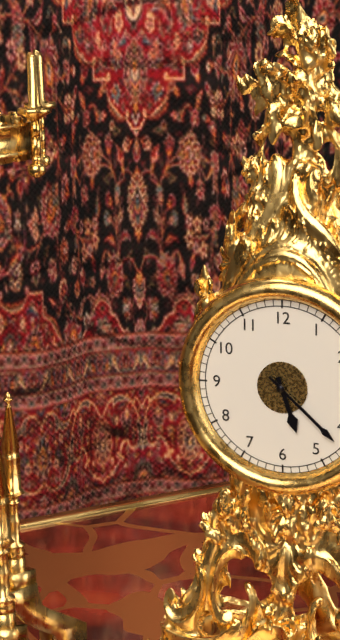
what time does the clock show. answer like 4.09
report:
5.22
